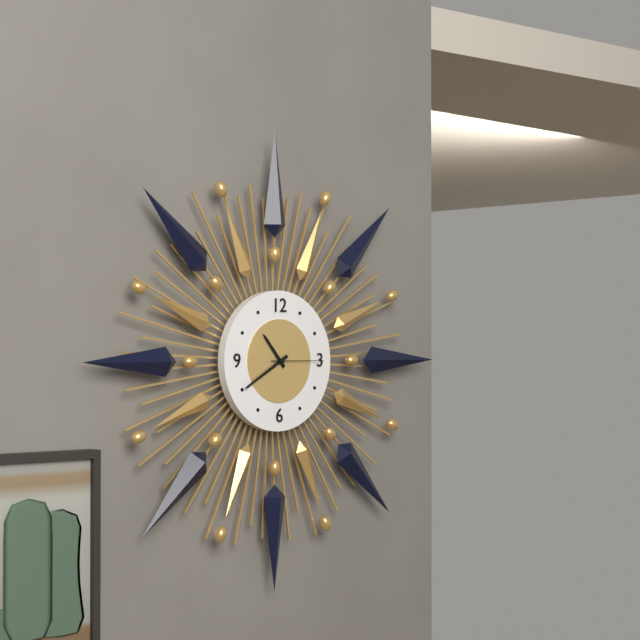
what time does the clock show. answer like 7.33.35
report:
10.40.15
